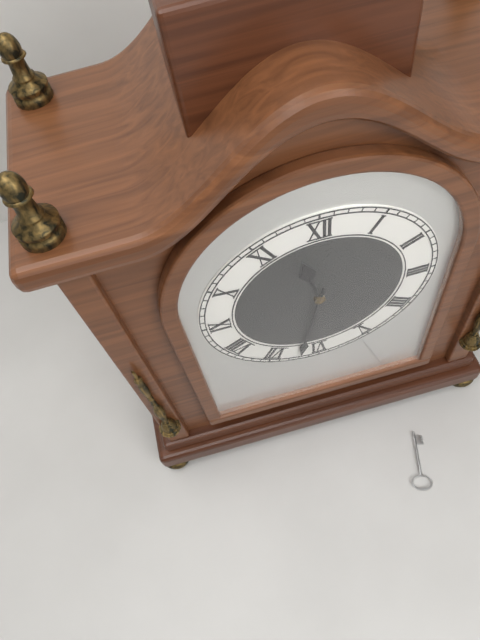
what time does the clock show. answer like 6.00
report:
11.32
